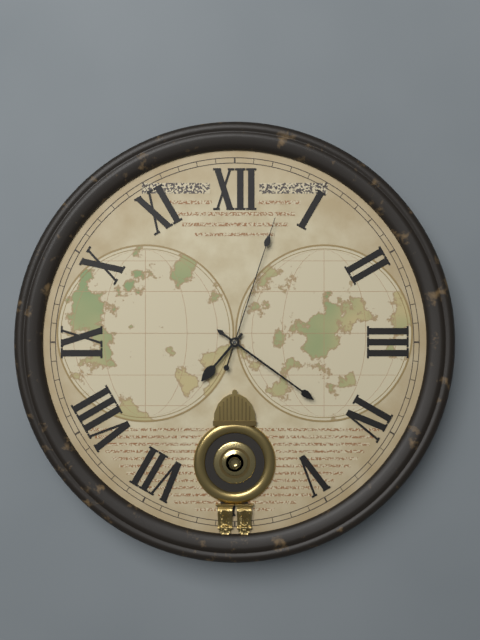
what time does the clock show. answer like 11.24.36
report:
7.21.03
